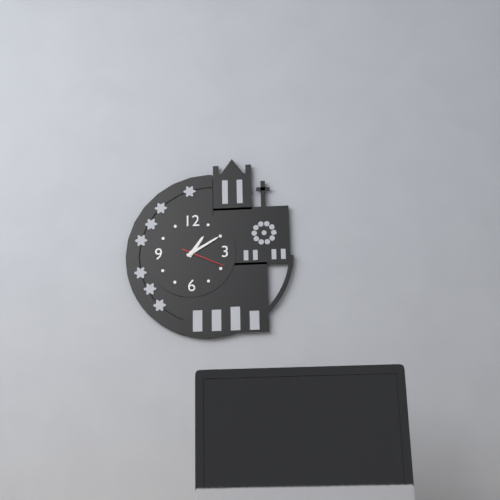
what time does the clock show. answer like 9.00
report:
1.10
